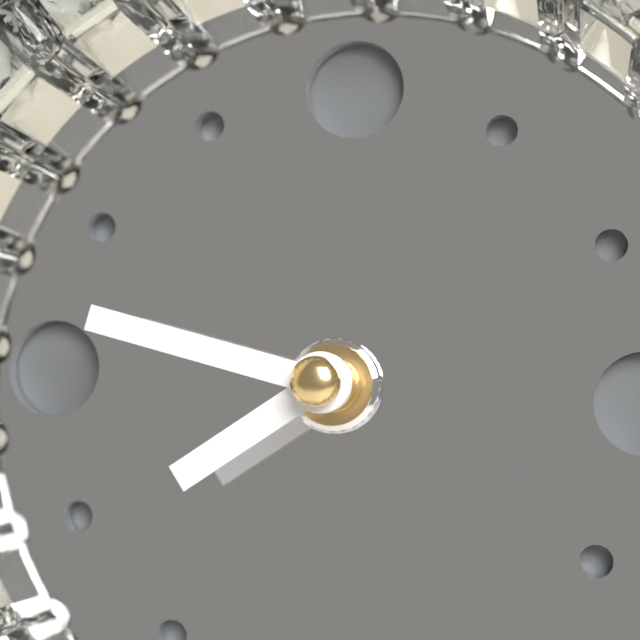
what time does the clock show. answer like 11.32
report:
7.47
